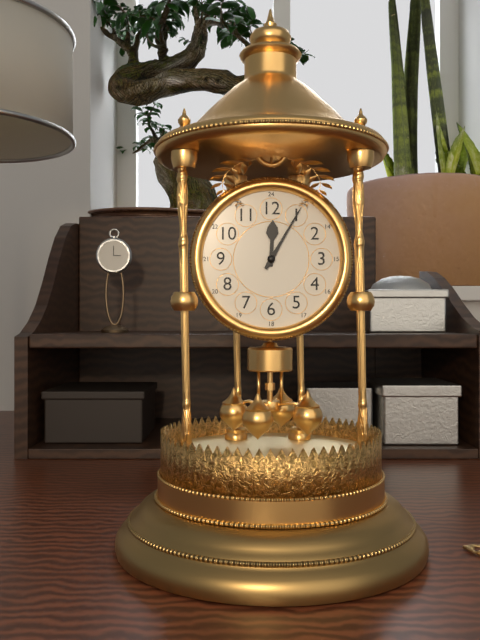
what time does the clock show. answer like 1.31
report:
12.05
